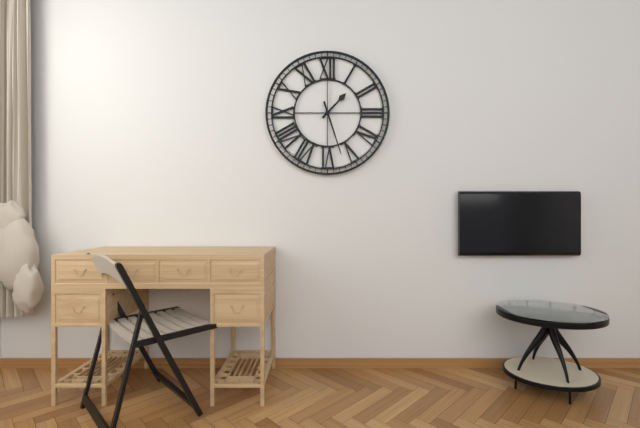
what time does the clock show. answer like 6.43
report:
1.27
